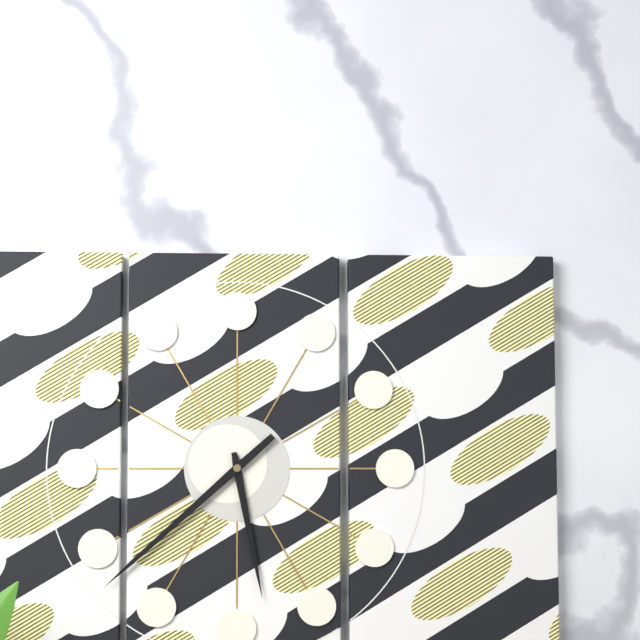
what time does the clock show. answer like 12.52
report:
5.38
